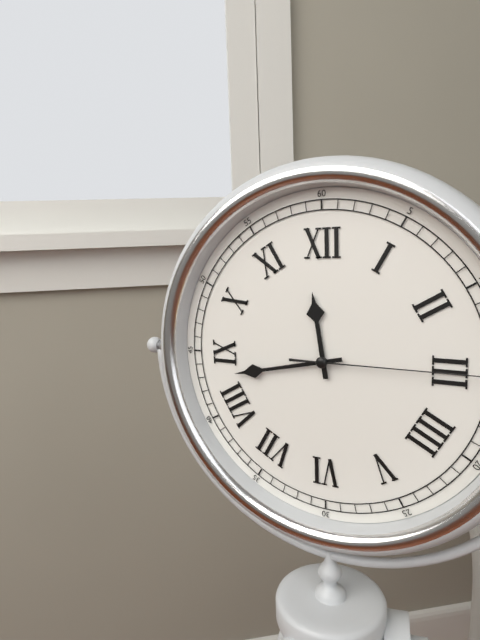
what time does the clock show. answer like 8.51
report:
11.43
